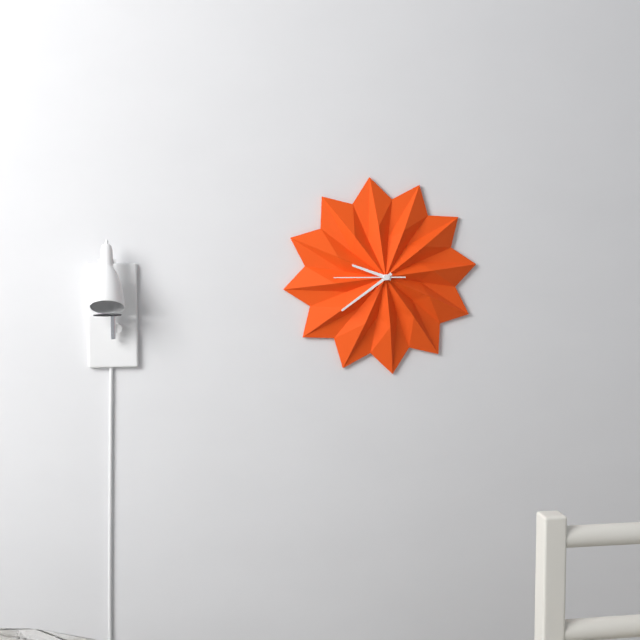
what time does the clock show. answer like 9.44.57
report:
9.39.45
